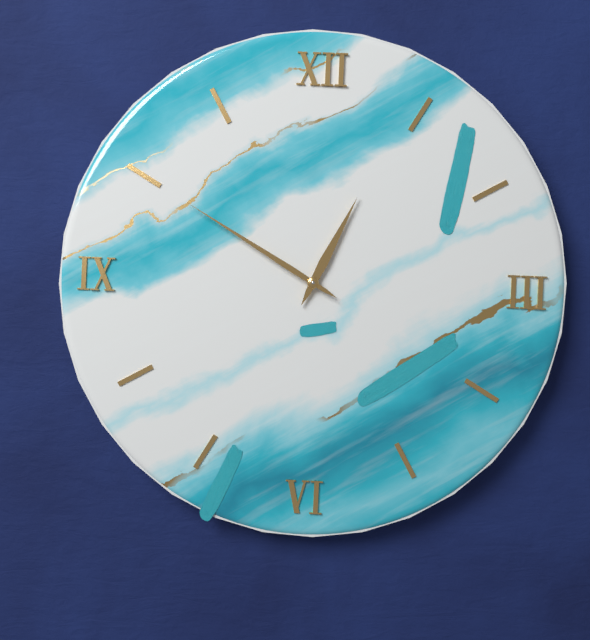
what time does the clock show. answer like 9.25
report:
12.50
